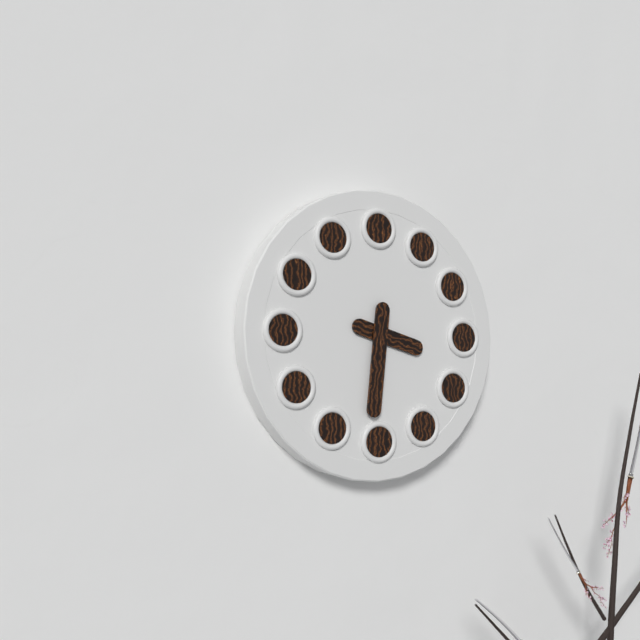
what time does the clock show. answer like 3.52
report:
3.31
